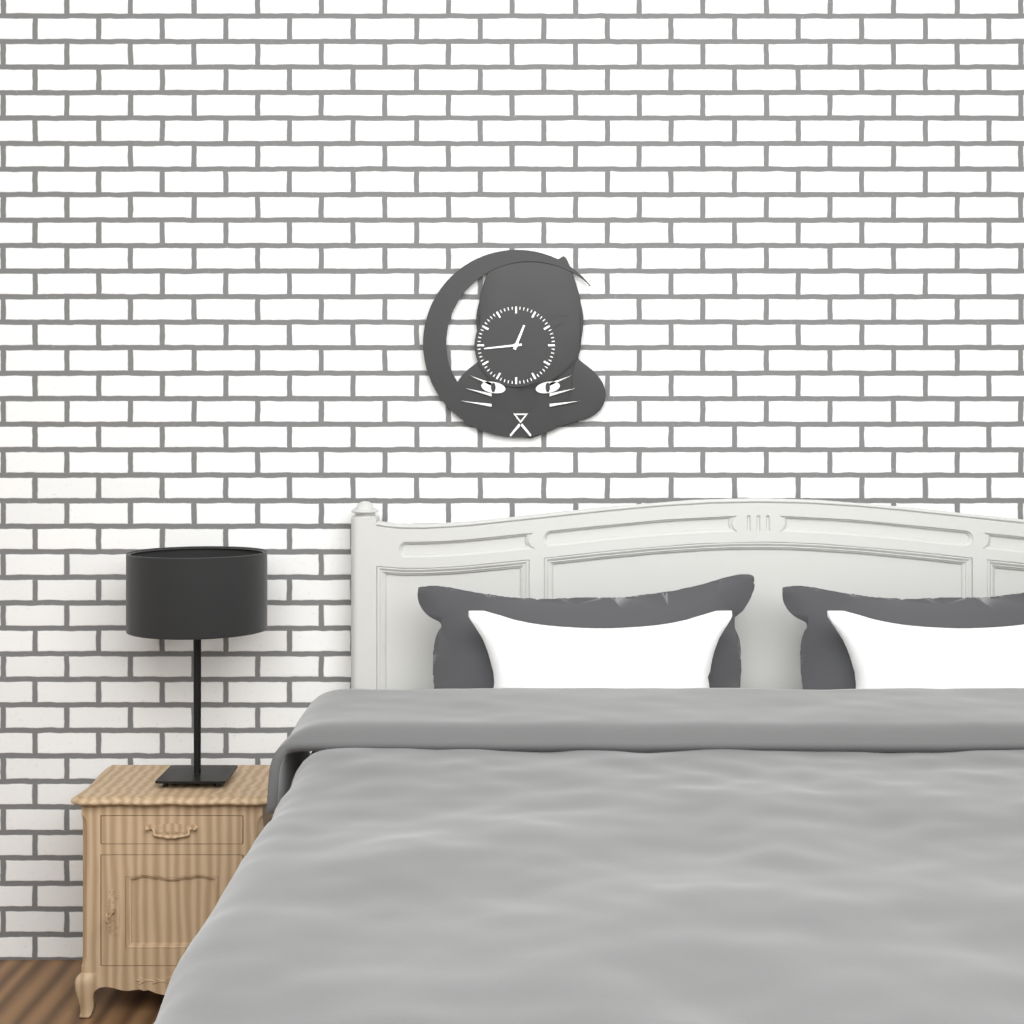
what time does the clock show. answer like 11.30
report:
12.44
